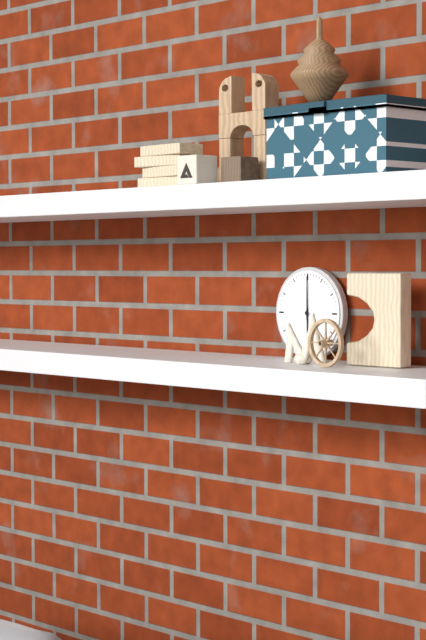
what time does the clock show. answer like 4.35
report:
6.00
